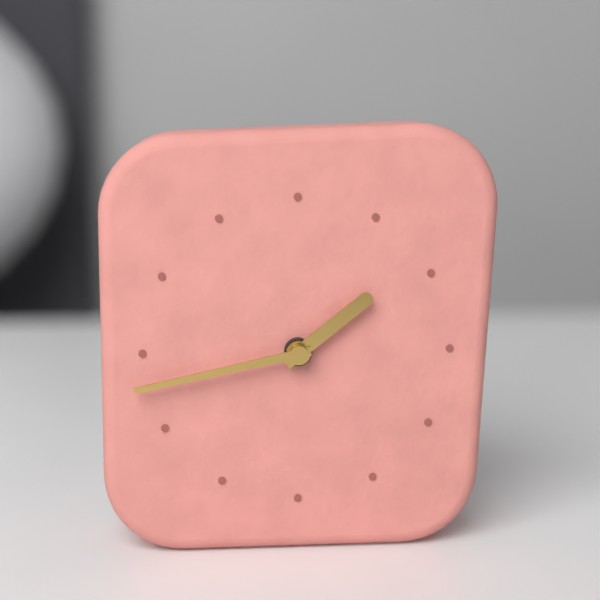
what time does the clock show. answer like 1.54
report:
1.43
